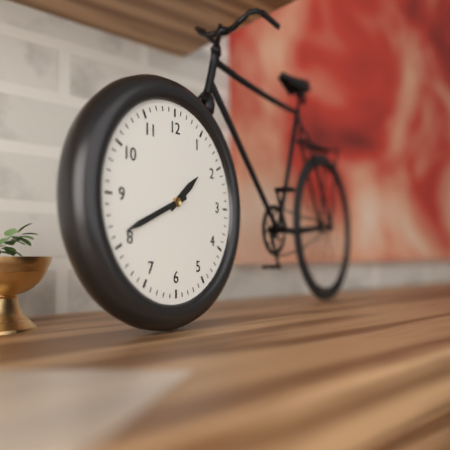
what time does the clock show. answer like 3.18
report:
1.41
